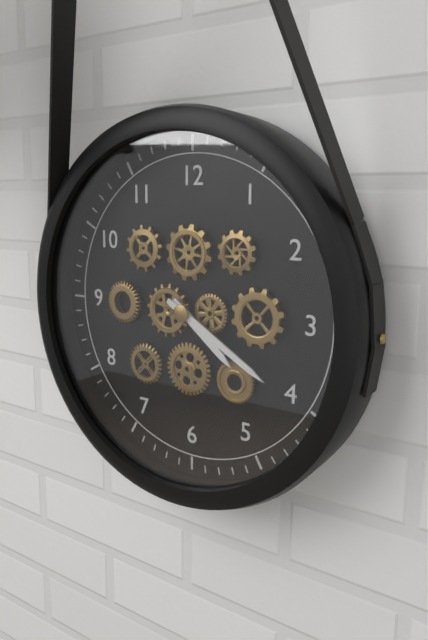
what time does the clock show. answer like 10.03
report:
4.20
